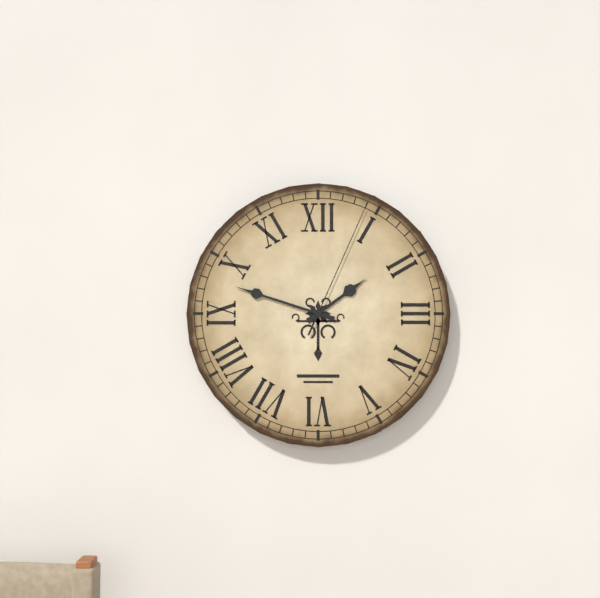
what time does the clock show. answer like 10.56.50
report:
1.48.04
